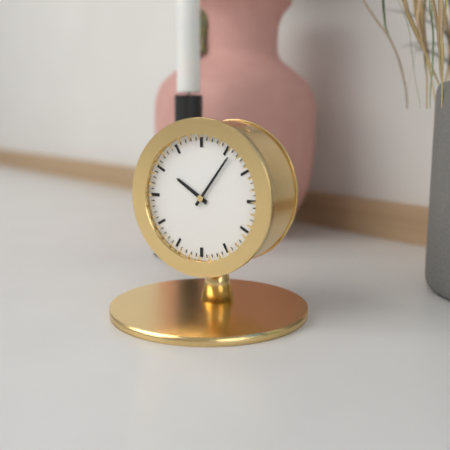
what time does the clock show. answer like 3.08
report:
10.06
